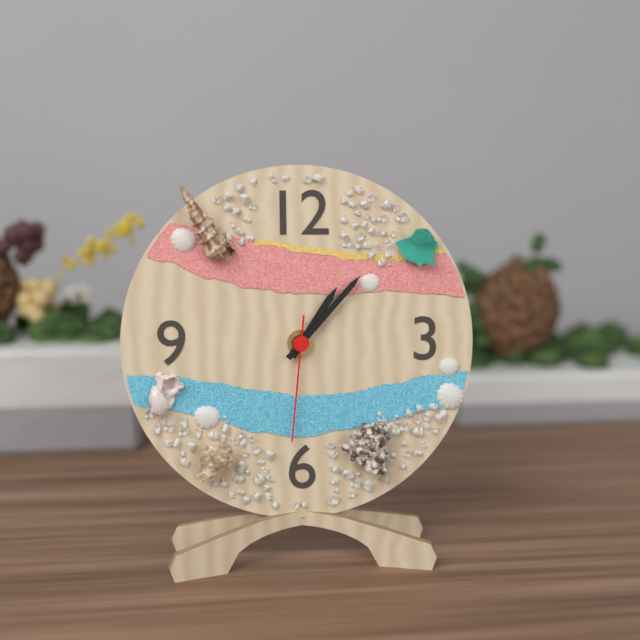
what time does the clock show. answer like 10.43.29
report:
1.07.31
